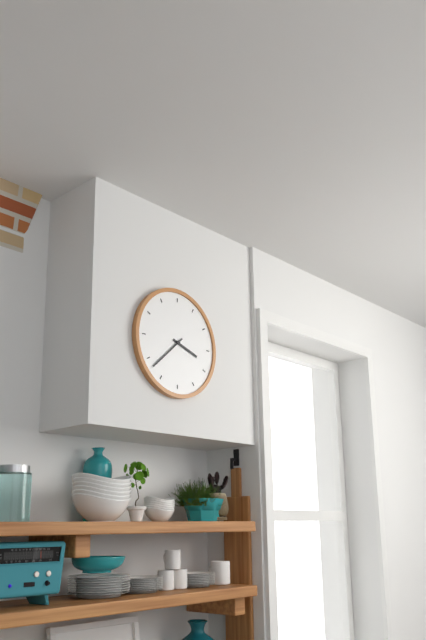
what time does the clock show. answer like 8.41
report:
3.38
